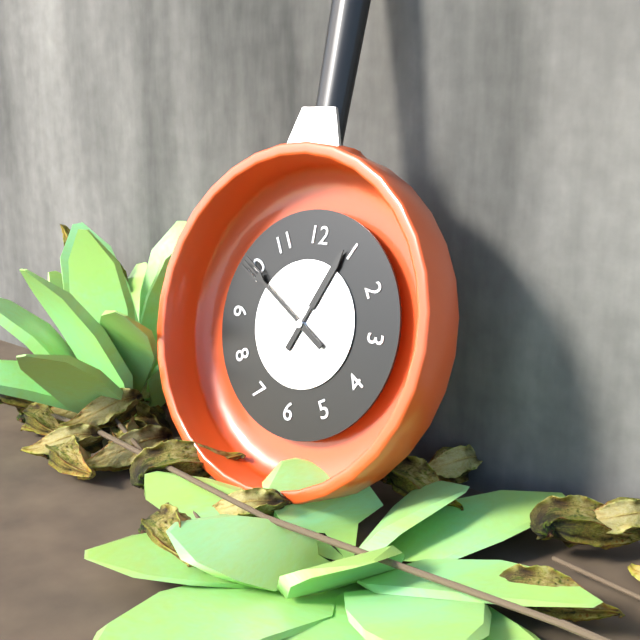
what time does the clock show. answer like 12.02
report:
12.50
